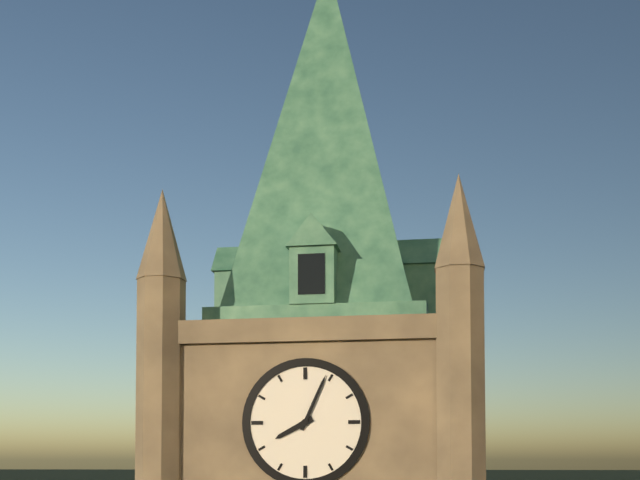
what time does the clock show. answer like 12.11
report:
8.04
